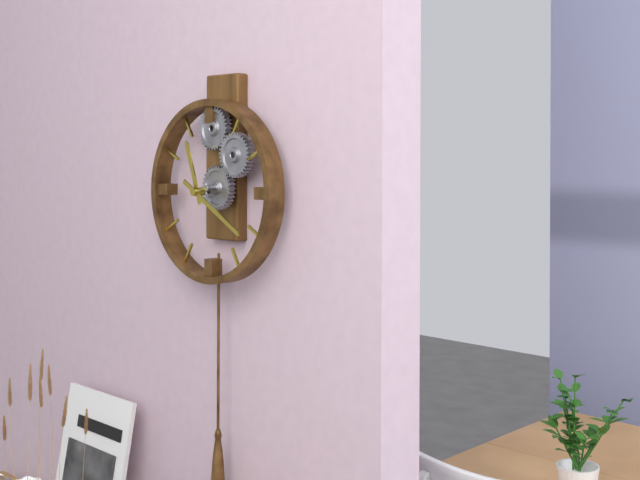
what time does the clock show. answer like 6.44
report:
11.20
